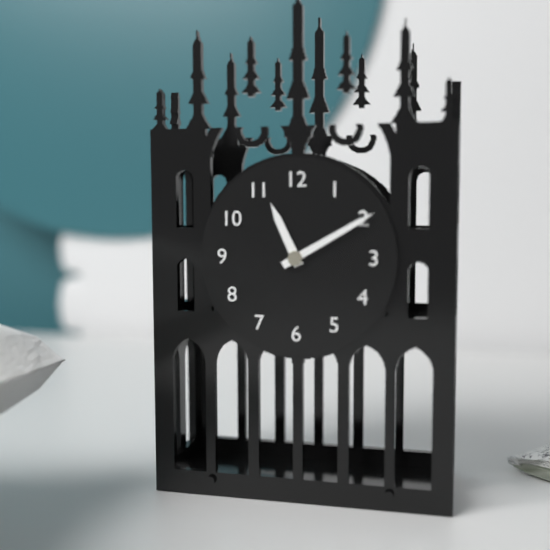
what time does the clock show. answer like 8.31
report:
11.10
